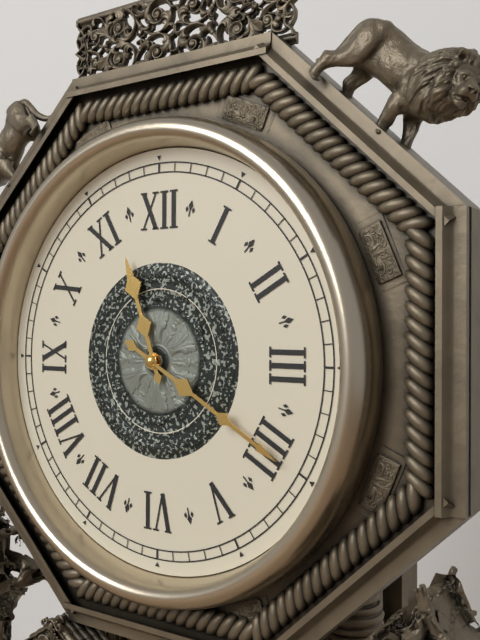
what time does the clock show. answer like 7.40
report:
11.20
